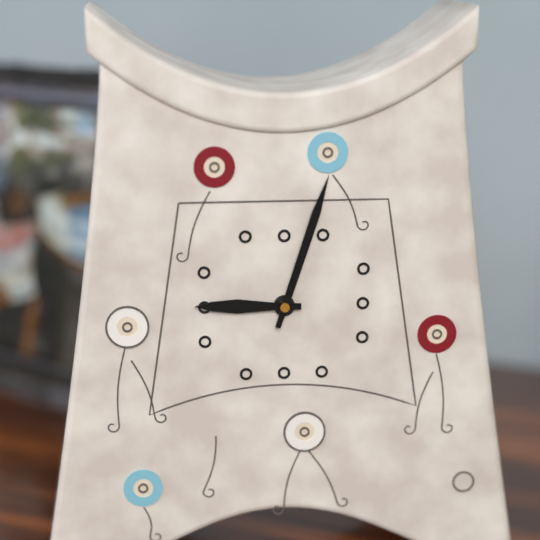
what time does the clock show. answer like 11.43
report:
9.03
